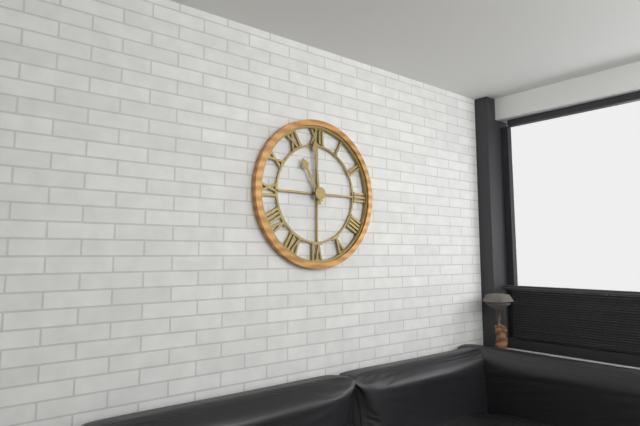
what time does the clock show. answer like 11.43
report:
10.59
